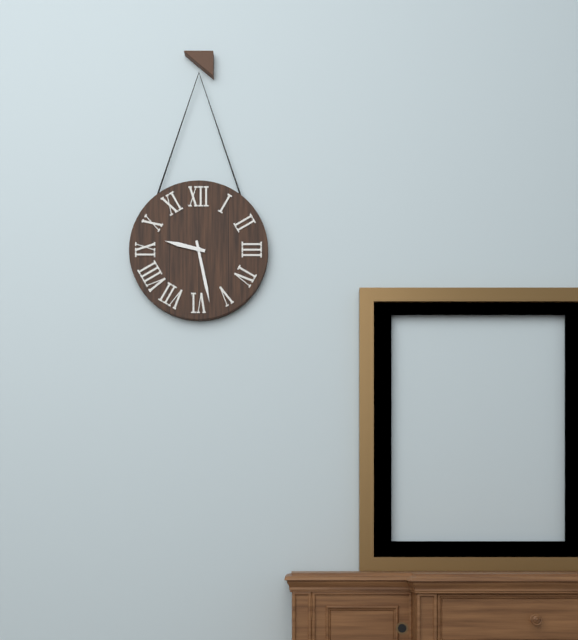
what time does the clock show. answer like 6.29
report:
9.28
